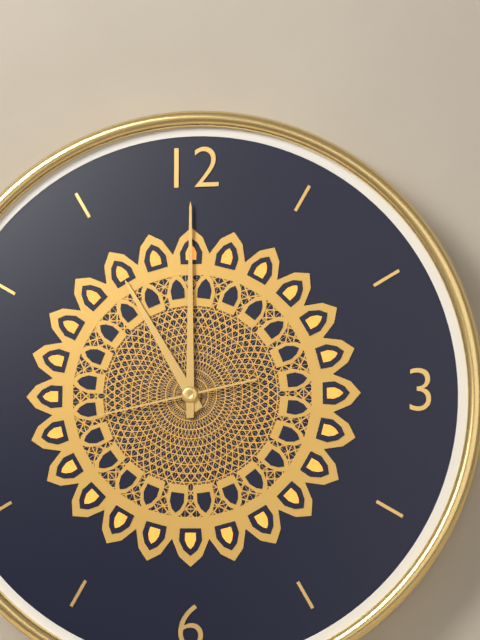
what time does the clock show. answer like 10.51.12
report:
11.00.43
